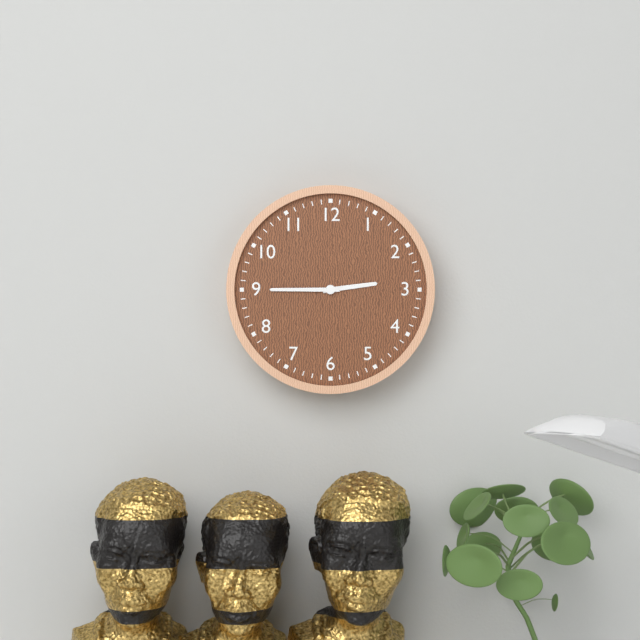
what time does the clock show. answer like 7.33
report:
2.45
